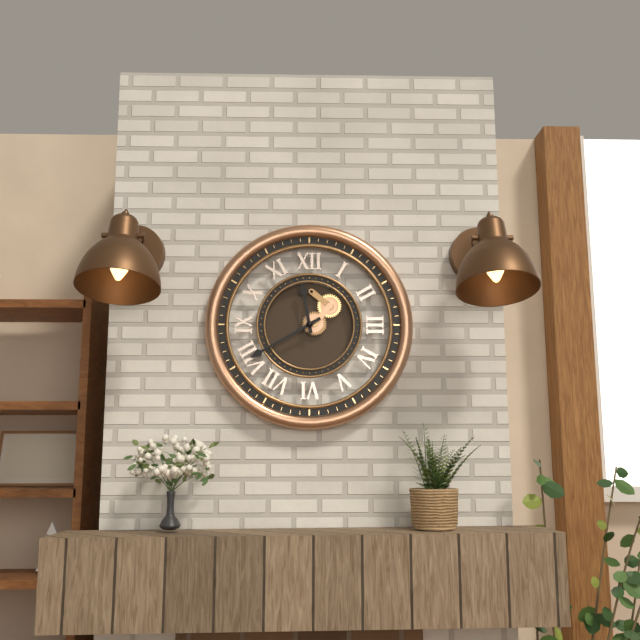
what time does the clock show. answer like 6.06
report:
11.40
